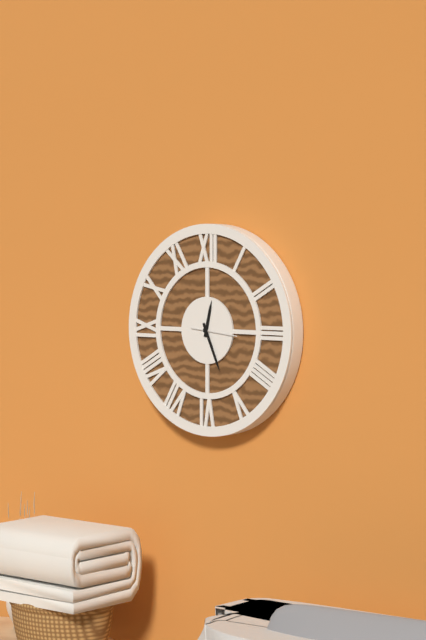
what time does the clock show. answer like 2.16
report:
12.26
